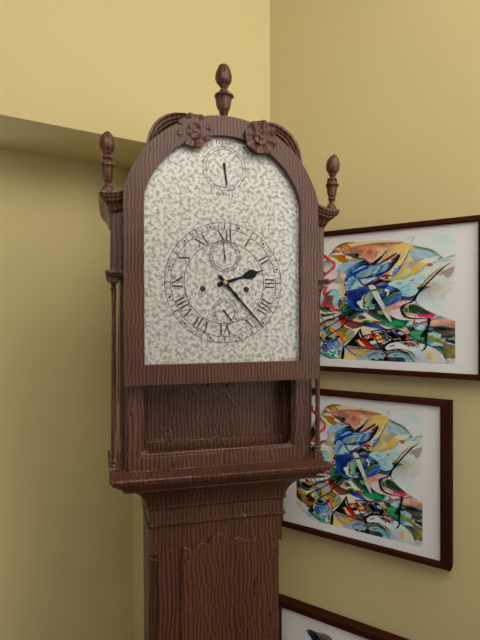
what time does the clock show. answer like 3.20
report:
2.23
